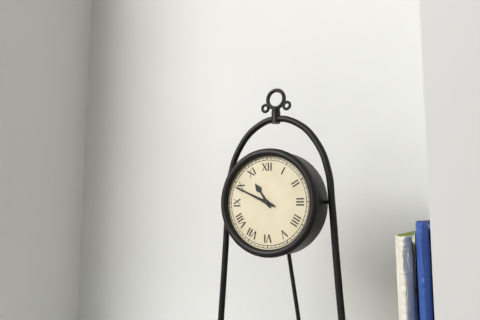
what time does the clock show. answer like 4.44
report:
10.49
